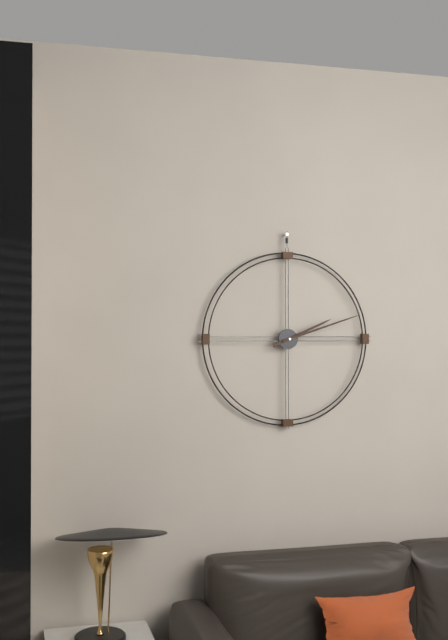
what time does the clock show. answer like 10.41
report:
2.12
